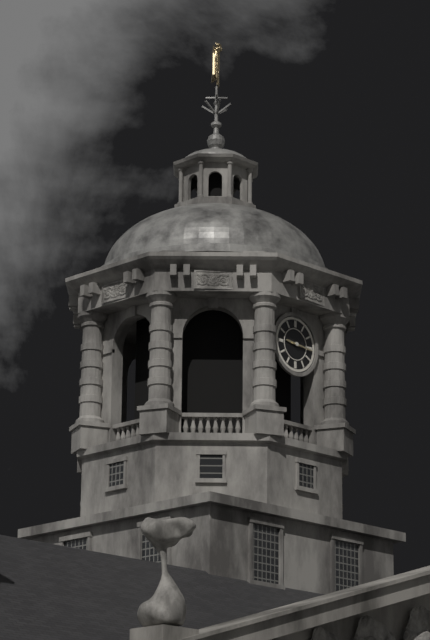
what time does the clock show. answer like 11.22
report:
9.16
